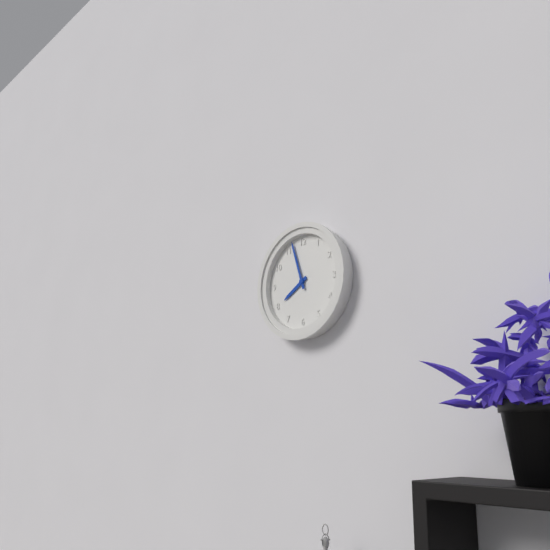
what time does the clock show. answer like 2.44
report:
7.57
